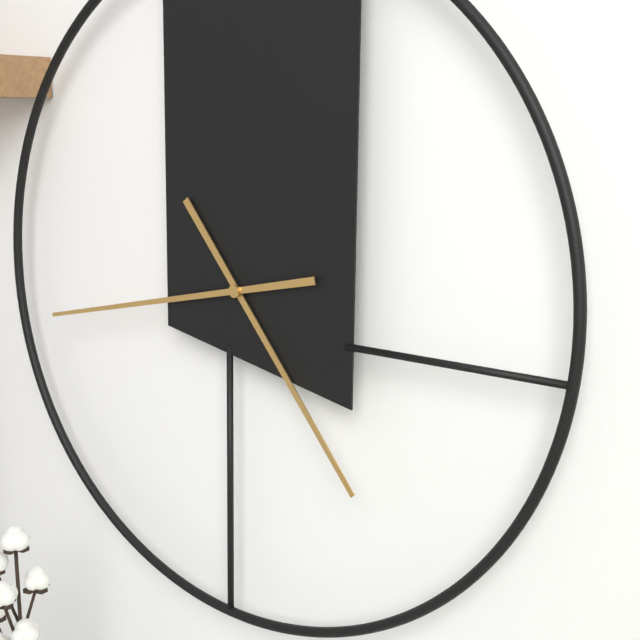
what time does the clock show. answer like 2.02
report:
4.43
